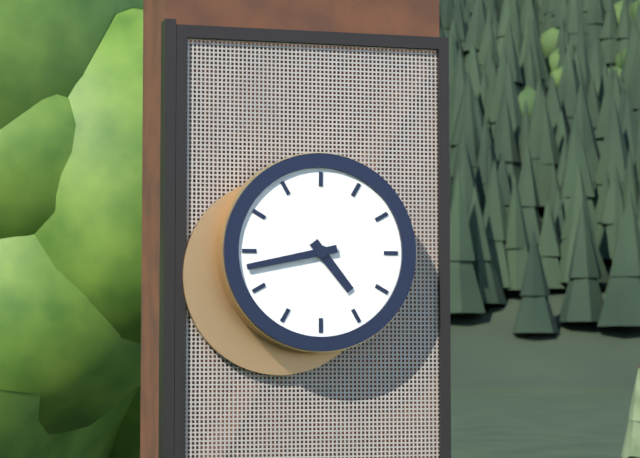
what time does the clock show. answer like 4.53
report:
4.43
